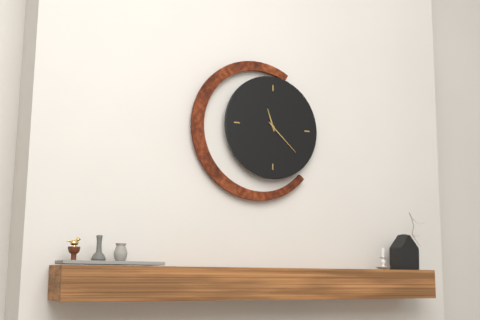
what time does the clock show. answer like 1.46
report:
11.22
